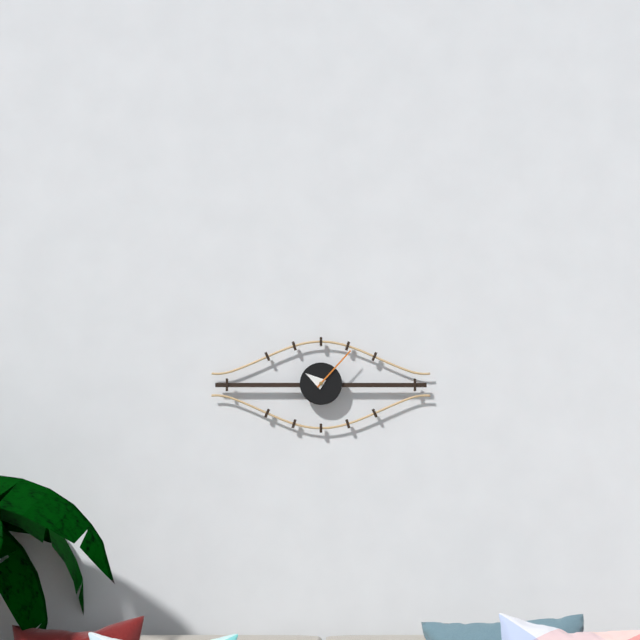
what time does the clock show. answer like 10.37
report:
10.07
